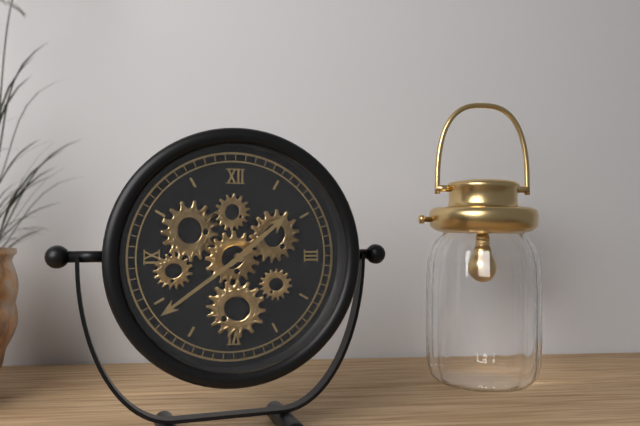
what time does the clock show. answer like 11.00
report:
1.39
